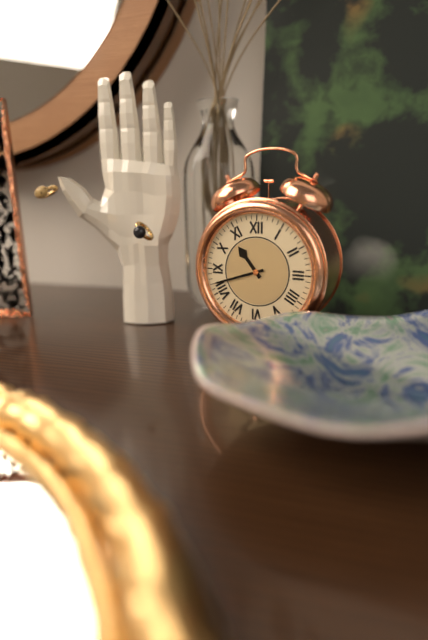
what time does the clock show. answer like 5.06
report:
10.42
